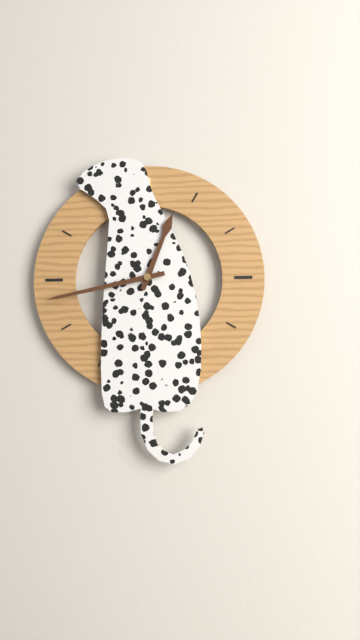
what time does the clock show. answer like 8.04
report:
12.43
